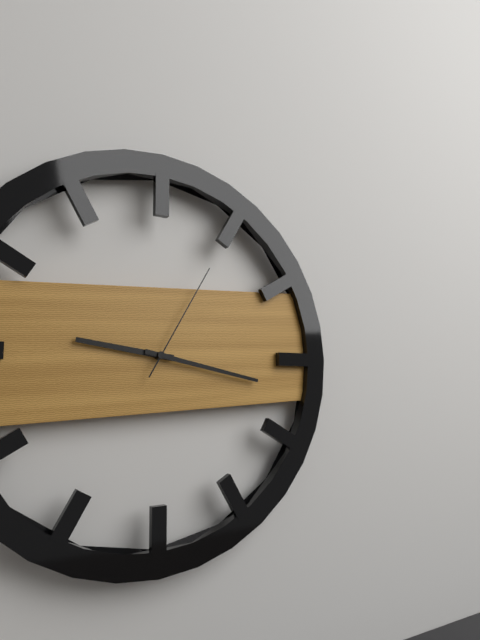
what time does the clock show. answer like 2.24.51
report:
9.17.05
